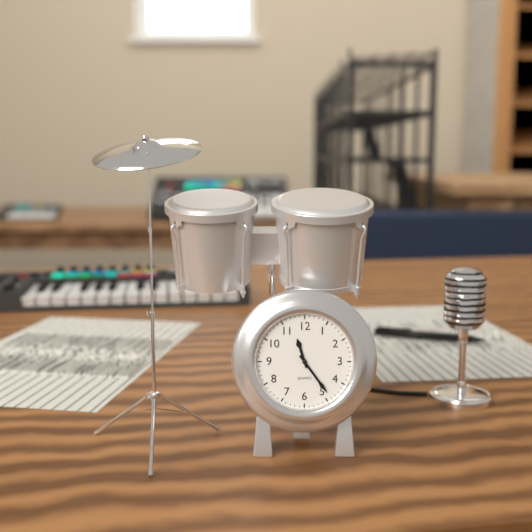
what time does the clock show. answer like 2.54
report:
11.24
